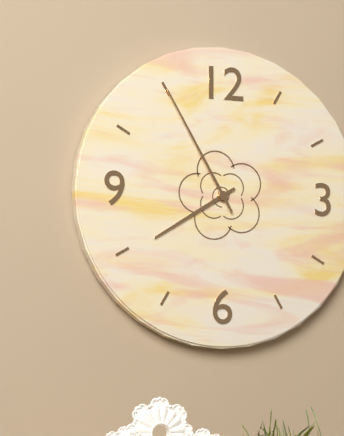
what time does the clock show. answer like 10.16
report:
7.55
